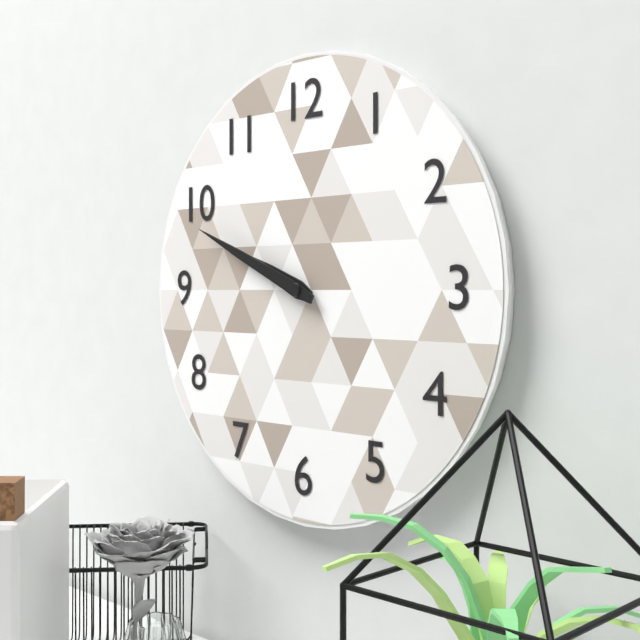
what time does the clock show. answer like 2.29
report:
9.49
